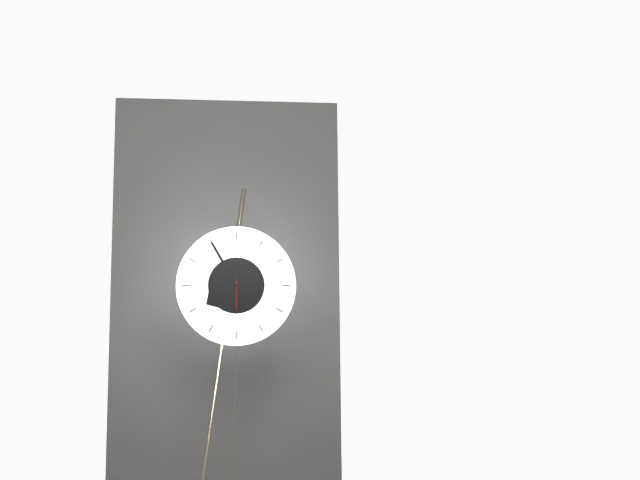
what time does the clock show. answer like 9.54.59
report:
7.55.30
